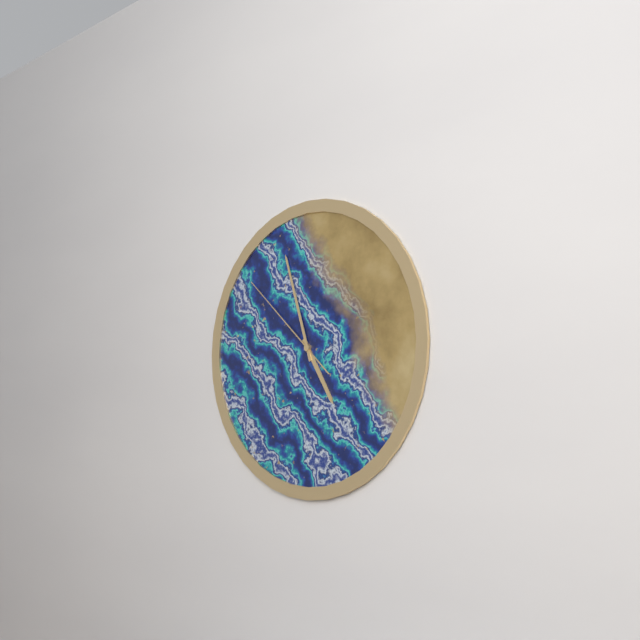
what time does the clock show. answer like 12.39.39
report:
4.57.52
